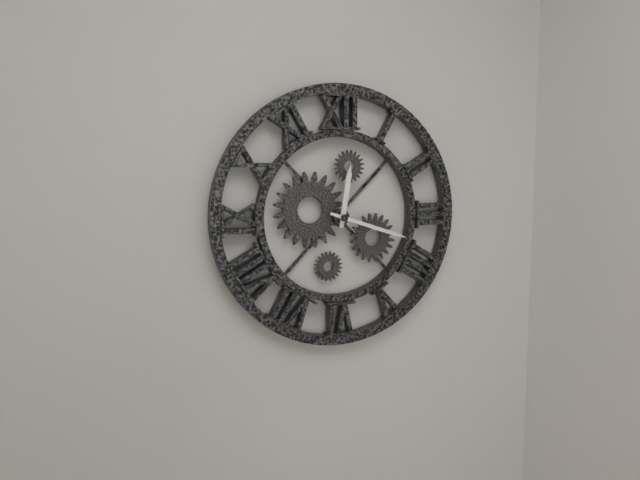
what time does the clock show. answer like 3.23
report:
12.18
